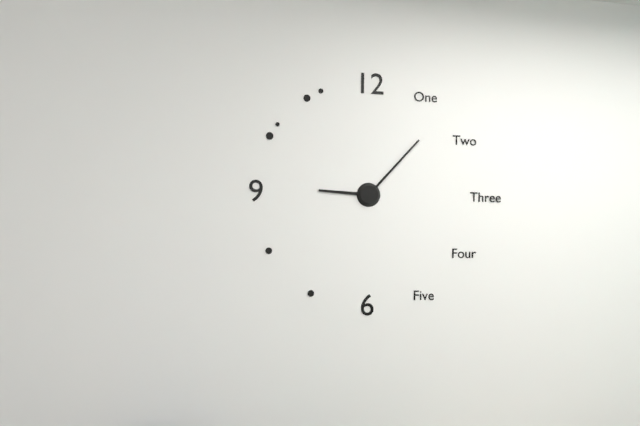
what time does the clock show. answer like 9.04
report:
9.07
